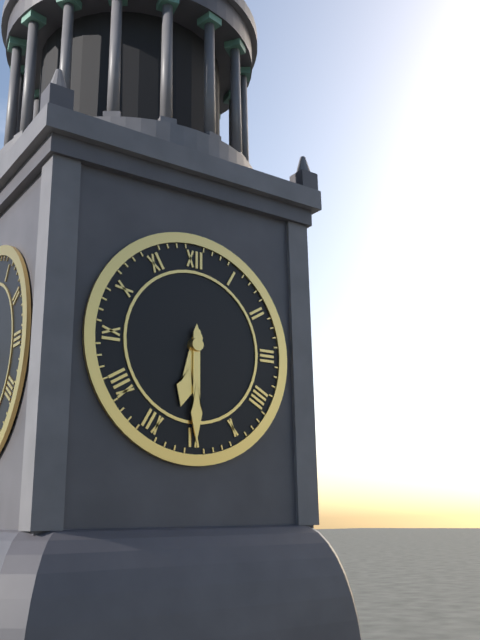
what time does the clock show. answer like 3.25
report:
6.30
